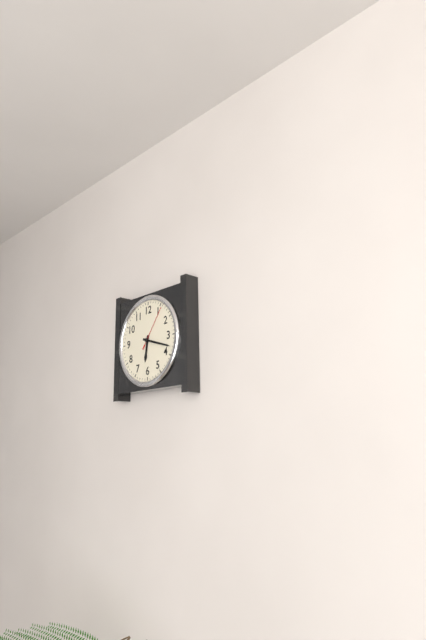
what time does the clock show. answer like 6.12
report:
6.18
